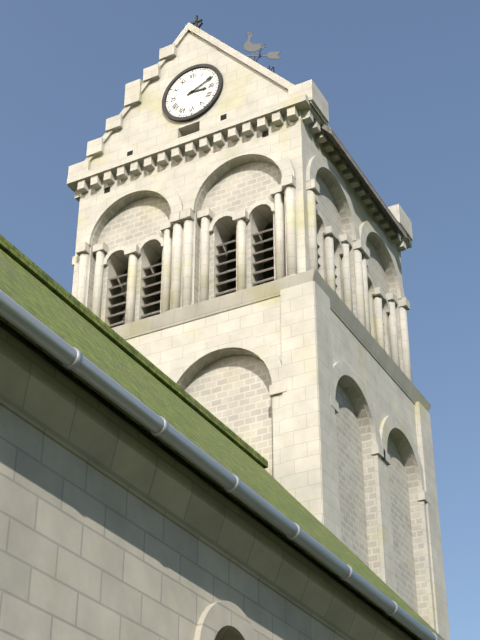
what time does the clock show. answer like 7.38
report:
3.11
